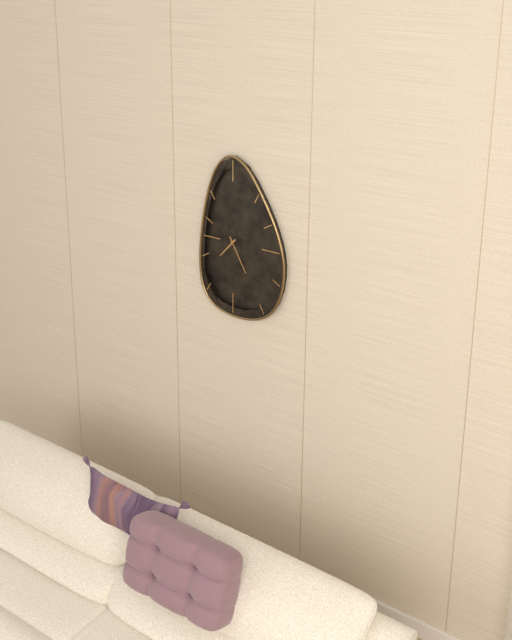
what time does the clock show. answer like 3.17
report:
7.25
